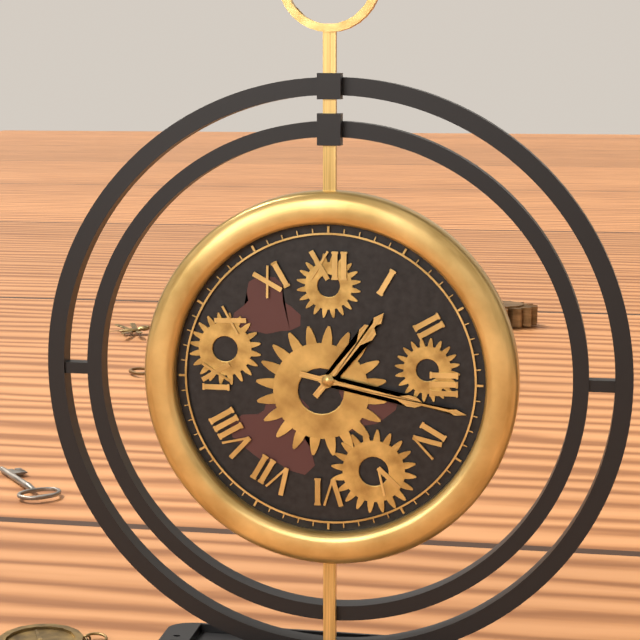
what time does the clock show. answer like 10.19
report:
1.17
